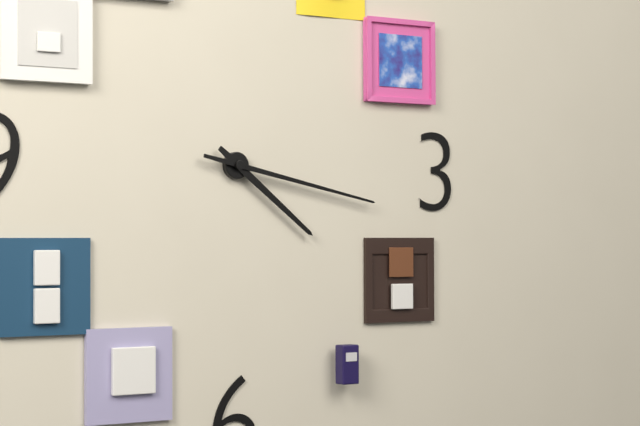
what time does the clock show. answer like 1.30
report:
4.17
